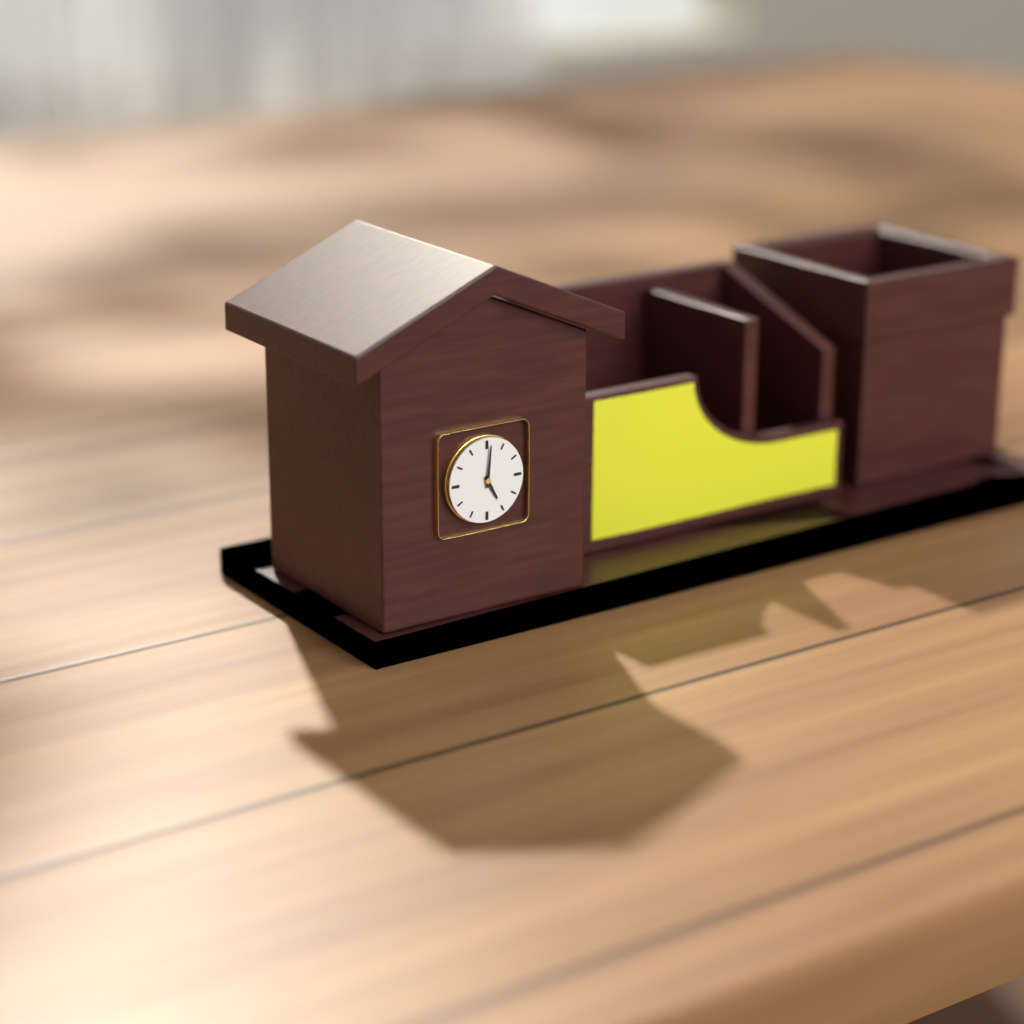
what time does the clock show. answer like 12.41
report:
5.01
